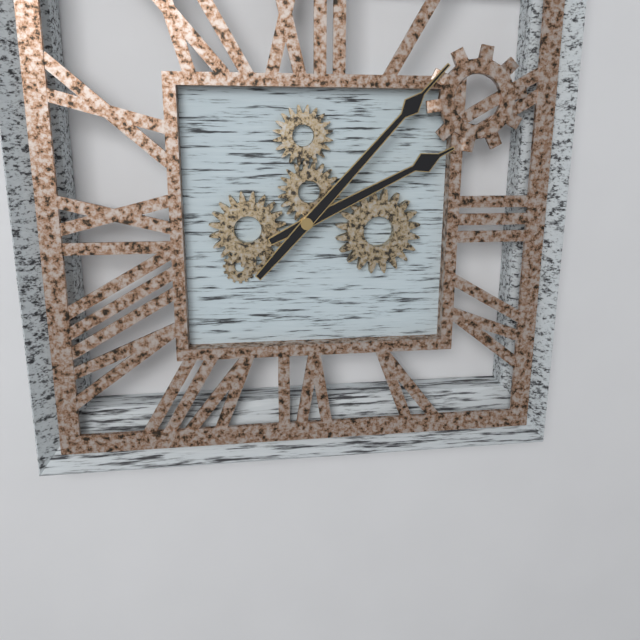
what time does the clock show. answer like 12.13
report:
2.07
